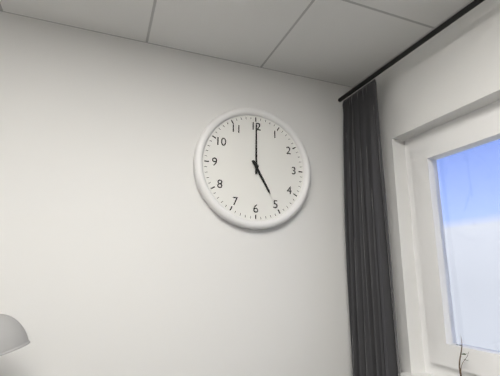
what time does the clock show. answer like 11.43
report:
5.00
